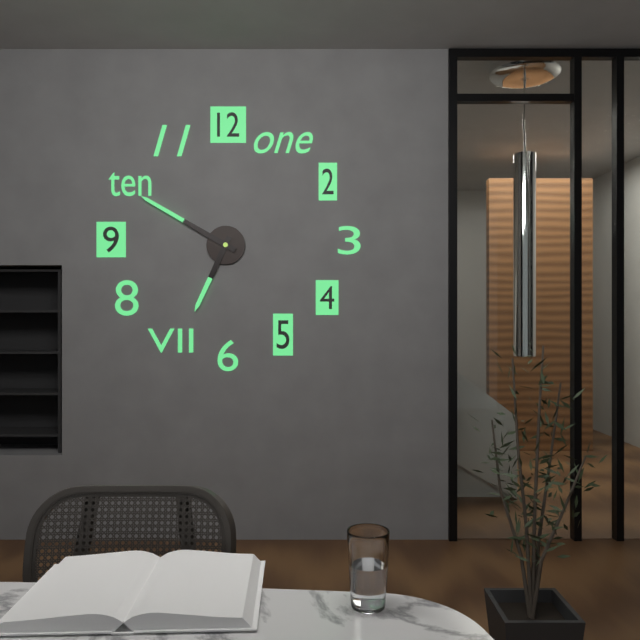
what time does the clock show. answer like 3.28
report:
6.50
